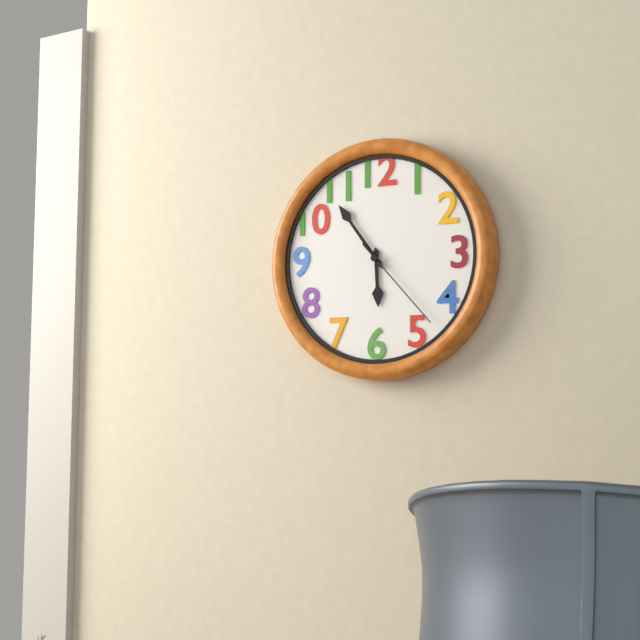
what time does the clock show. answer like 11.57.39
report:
5.54.23
